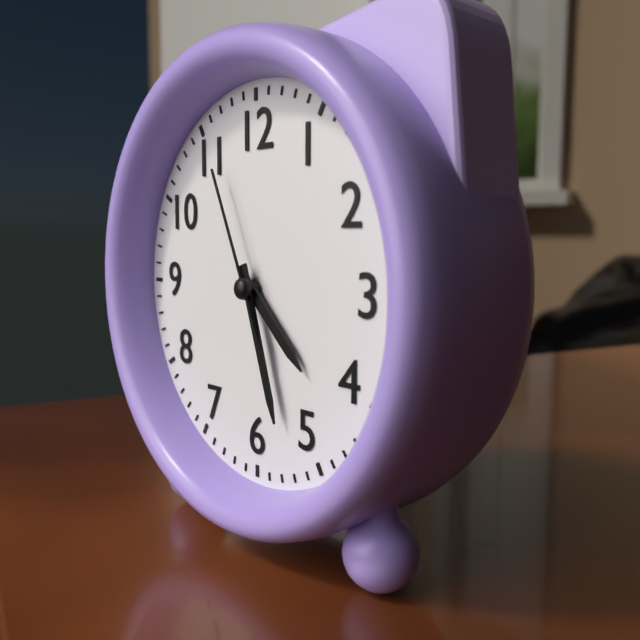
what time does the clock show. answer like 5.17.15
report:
4.27.56
